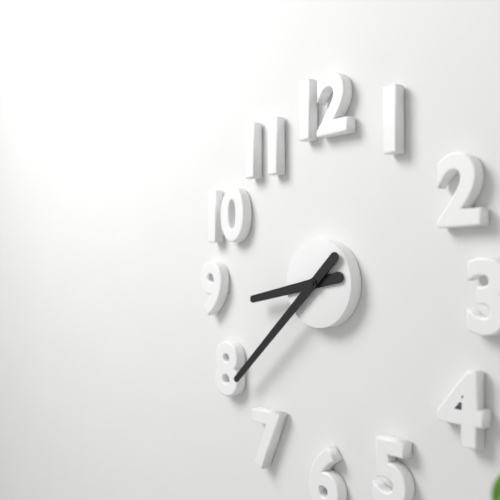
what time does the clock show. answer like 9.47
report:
8.38
